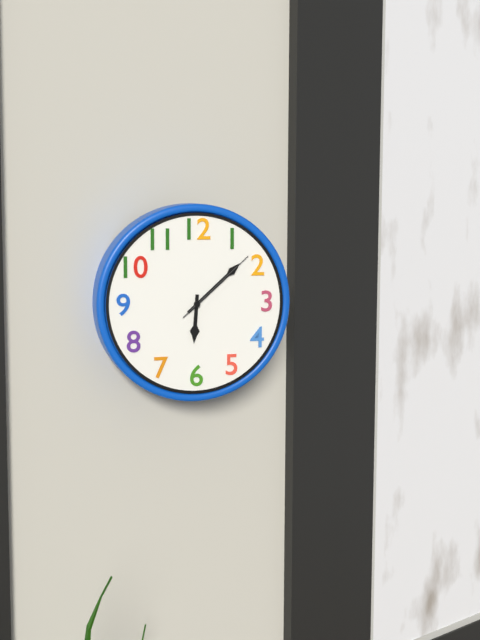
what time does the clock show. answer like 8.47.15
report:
6.08.08
